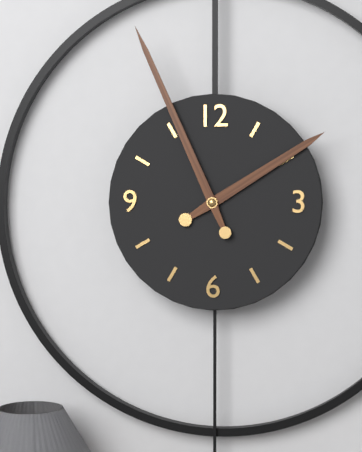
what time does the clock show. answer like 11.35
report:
1.56
